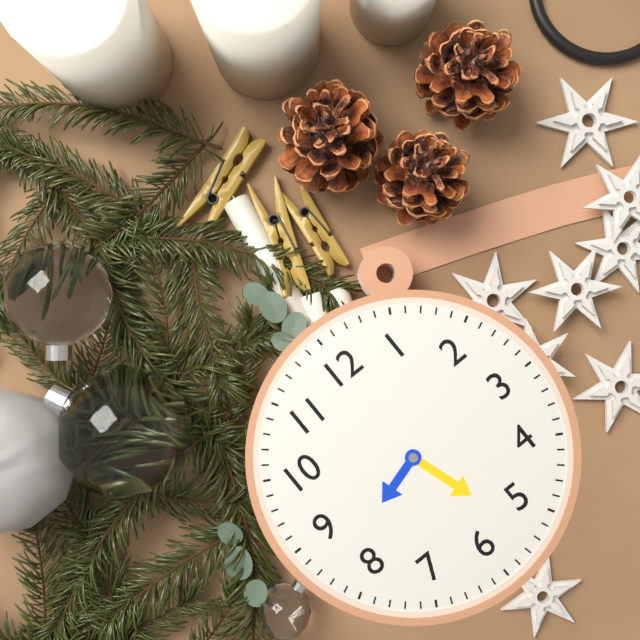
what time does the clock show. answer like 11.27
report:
8.27
